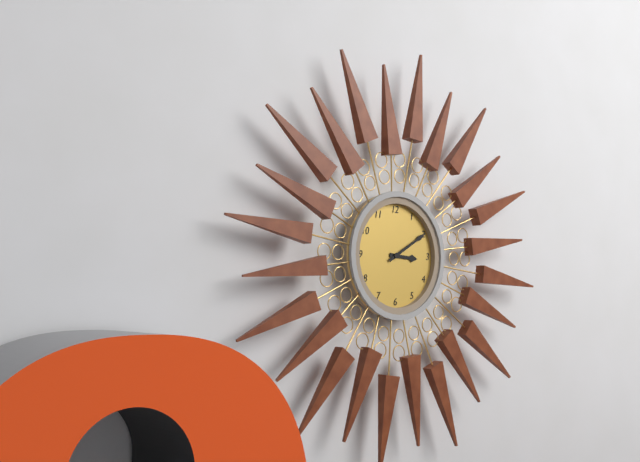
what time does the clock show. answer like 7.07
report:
3.10
